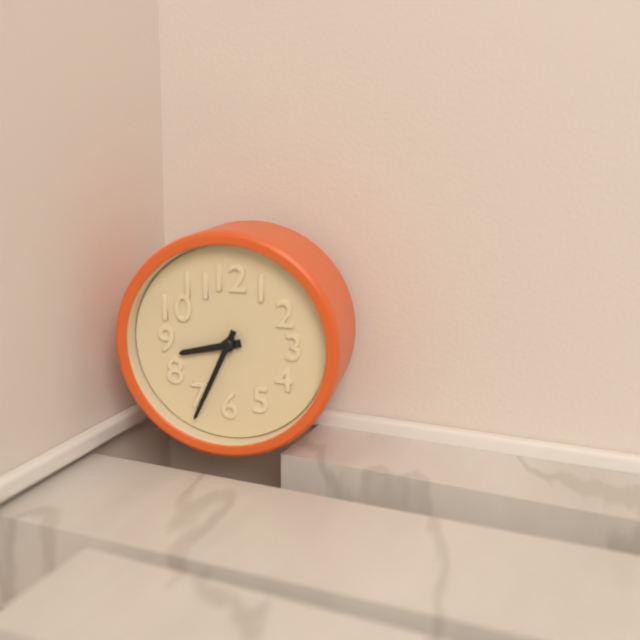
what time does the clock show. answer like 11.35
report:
8.34
